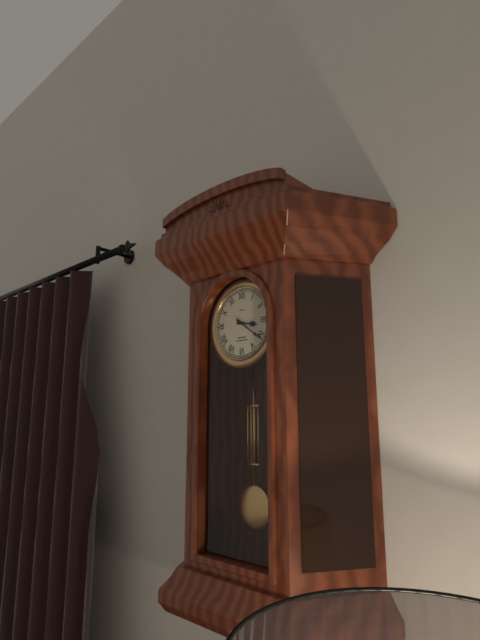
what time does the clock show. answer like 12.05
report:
3.21
